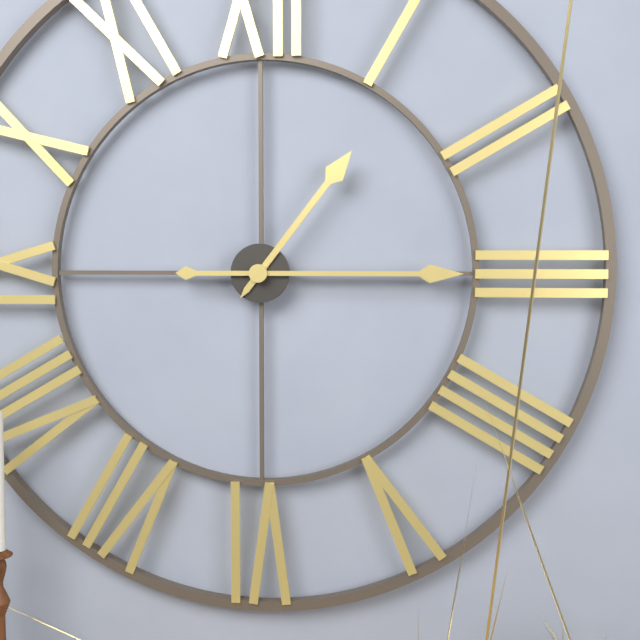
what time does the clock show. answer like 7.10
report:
1.15
